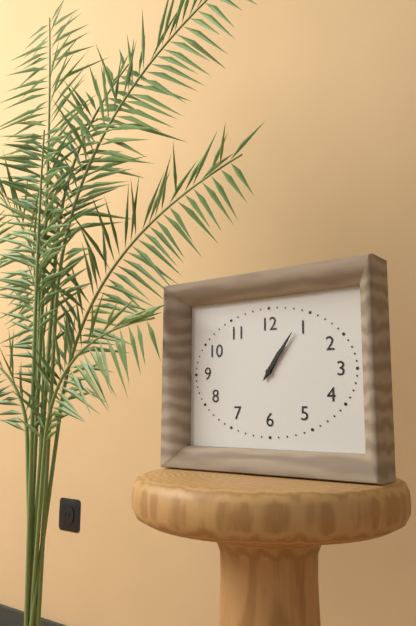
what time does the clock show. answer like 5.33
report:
1.06
